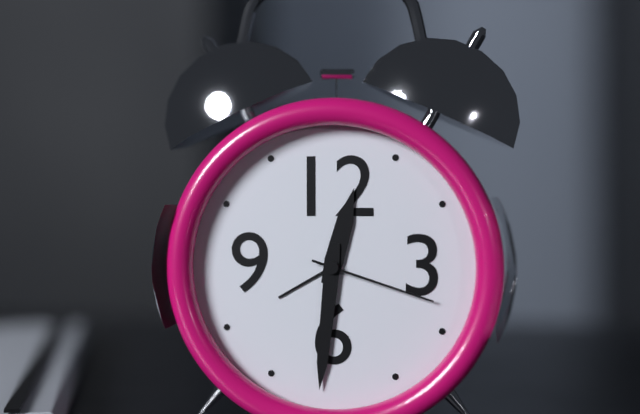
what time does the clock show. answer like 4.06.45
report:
12.31.18
